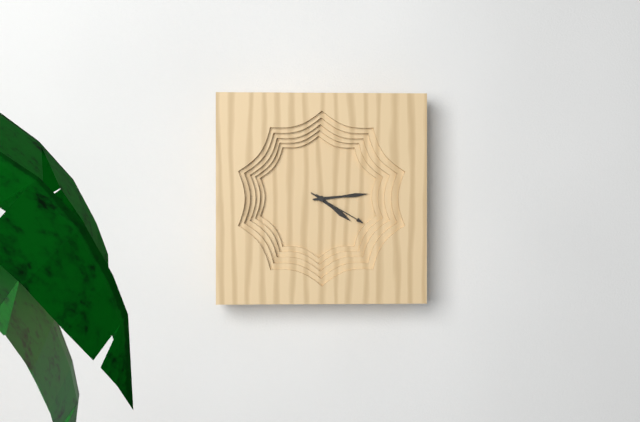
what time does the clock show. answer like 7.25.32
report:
4.14.20
